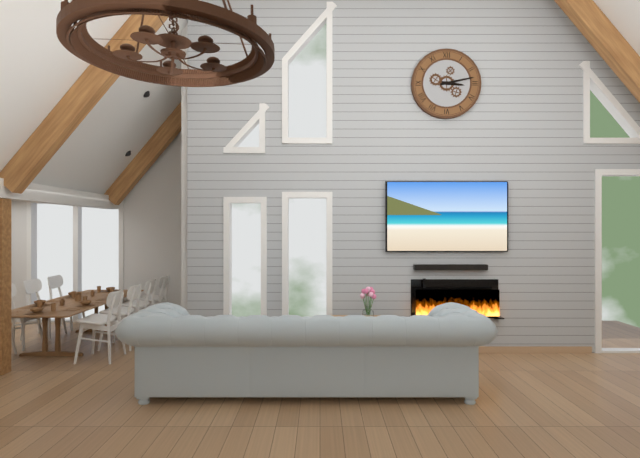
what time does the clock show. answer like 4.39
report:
3.13
